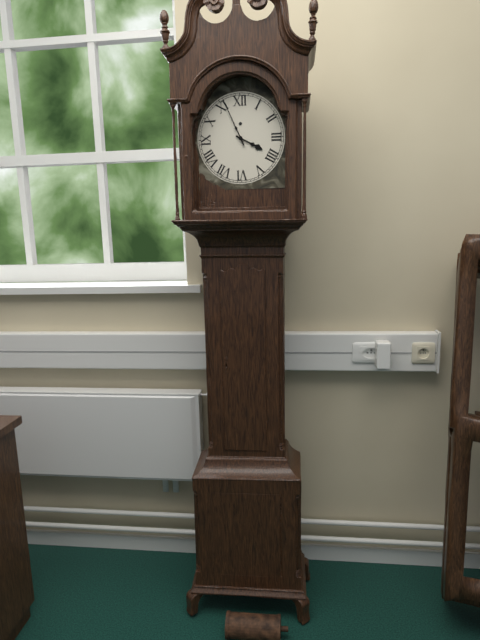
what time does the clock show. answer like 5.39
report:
3.56
